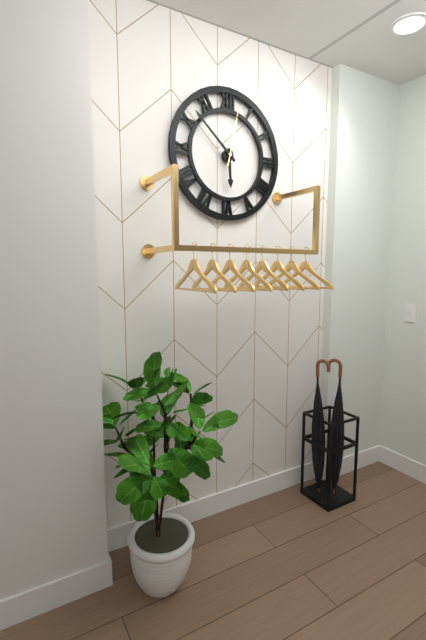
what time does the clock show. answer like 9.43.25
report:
5.52.02
